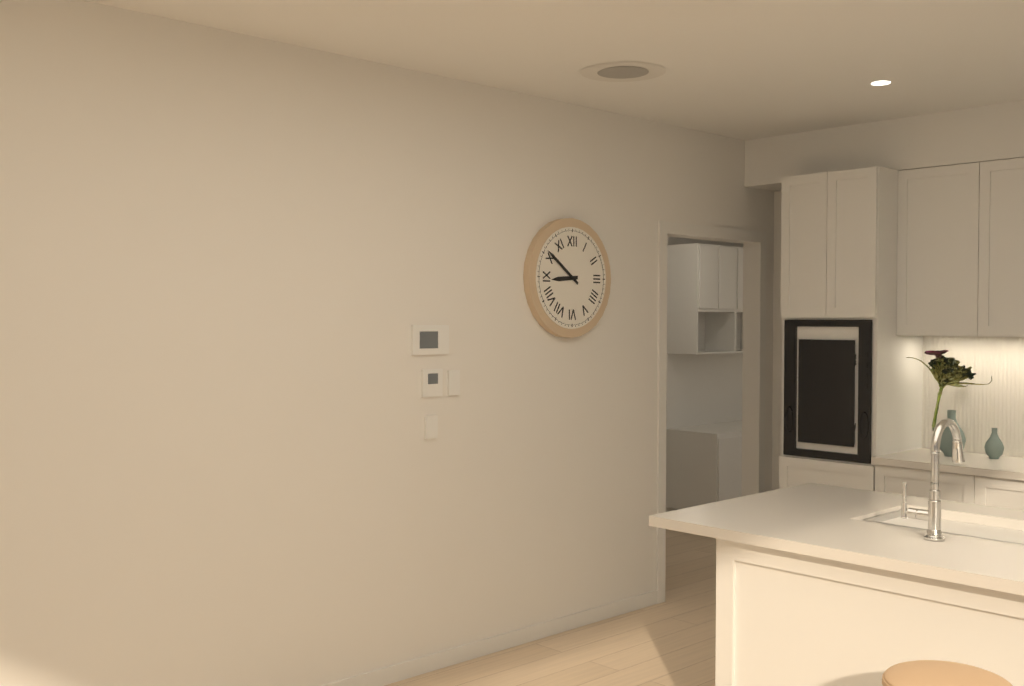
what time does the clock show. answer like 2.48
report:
8.51
